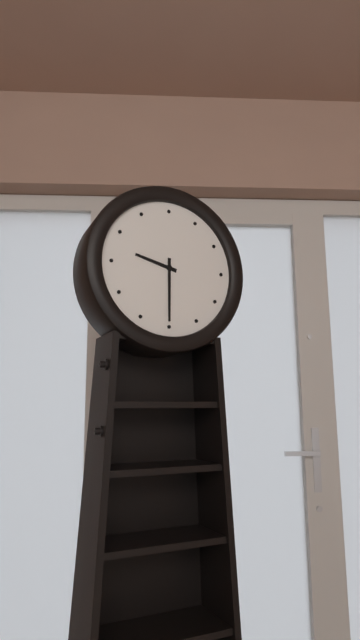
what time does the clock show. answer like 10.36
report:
9.30
